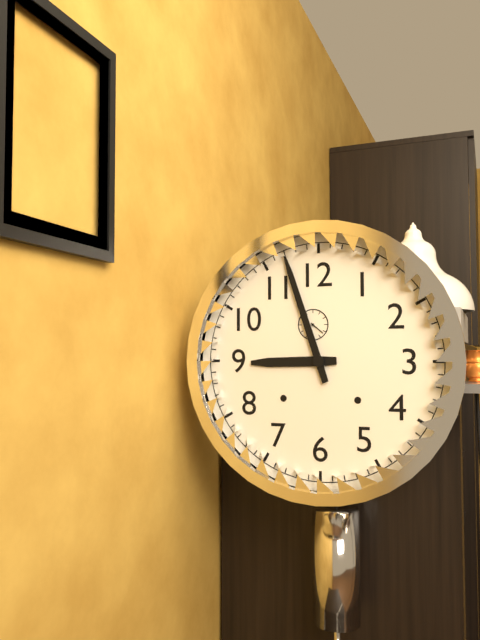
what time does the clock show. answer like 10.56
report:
8.57
